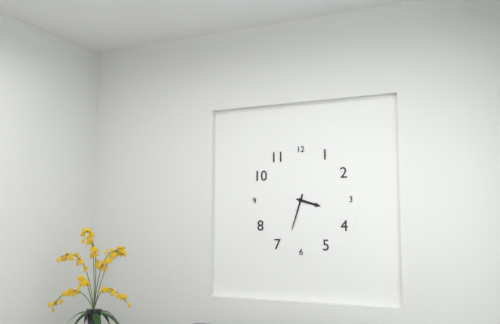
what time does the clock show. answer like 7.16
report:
3.33
